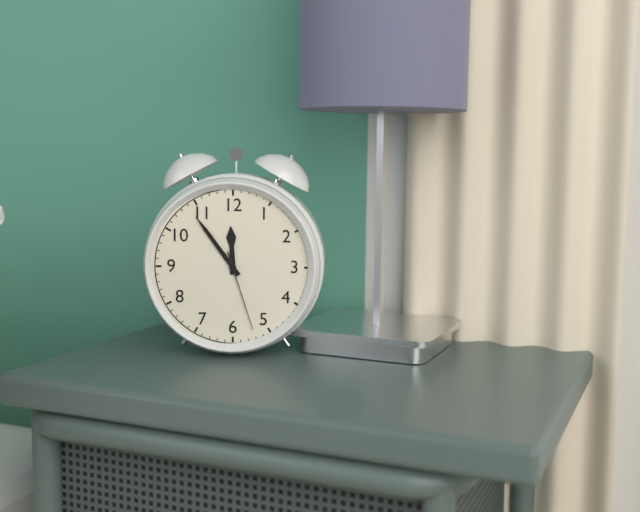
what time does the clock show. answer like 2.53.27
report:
11.54.27
